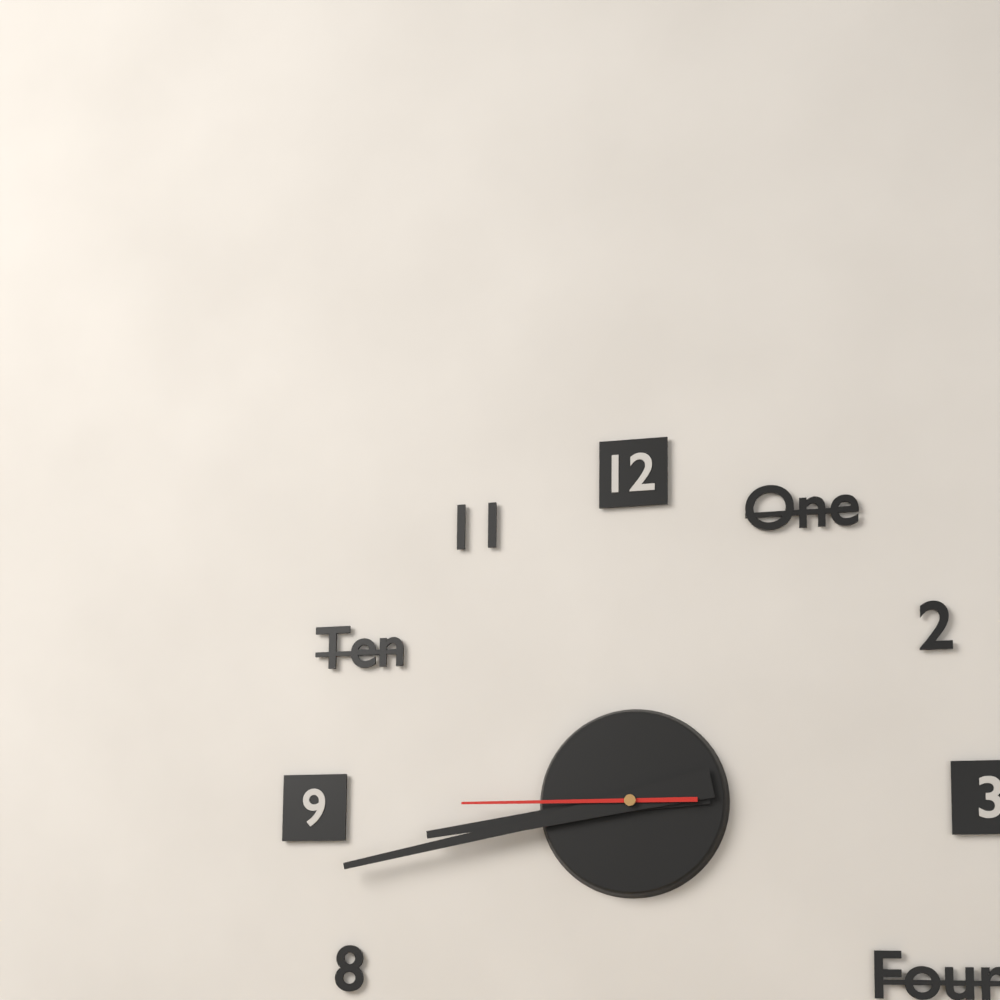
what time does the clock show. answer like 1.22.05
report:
8.43.45
